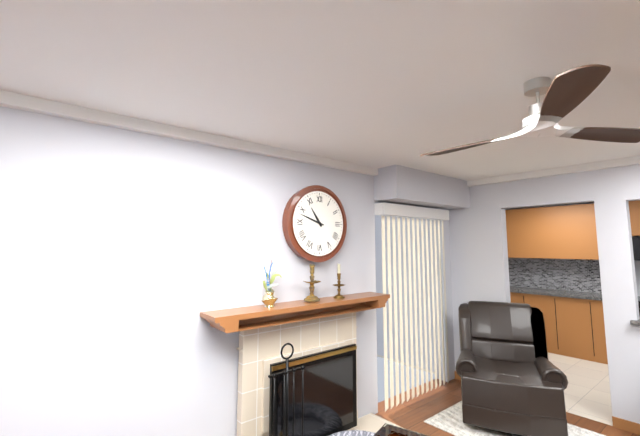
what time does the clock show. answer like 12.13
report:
10.48
